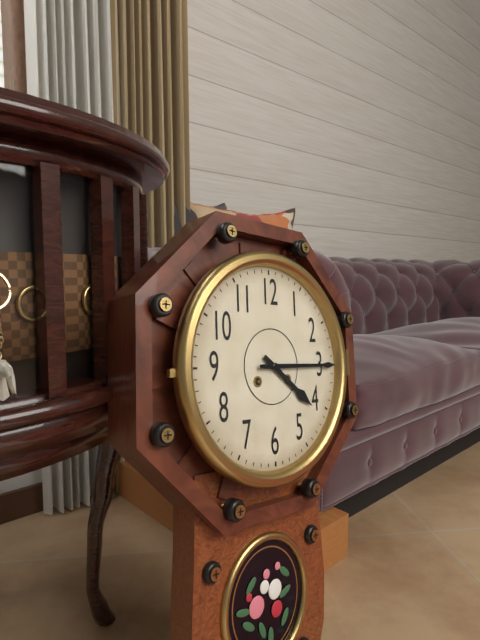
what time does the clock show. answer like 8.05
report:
4.15
